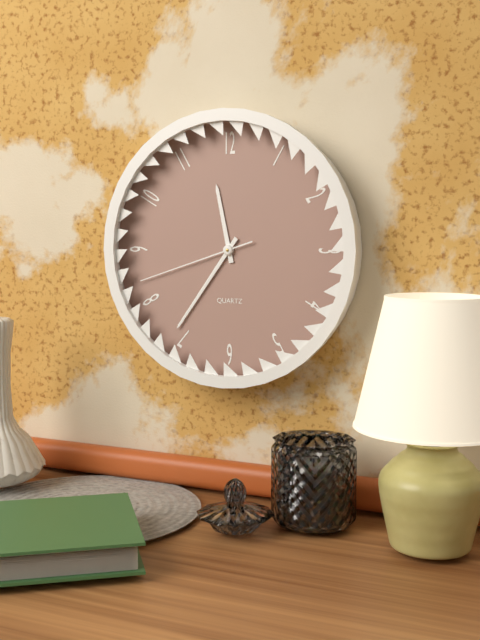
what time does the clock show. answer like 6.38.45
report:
11.36.42
